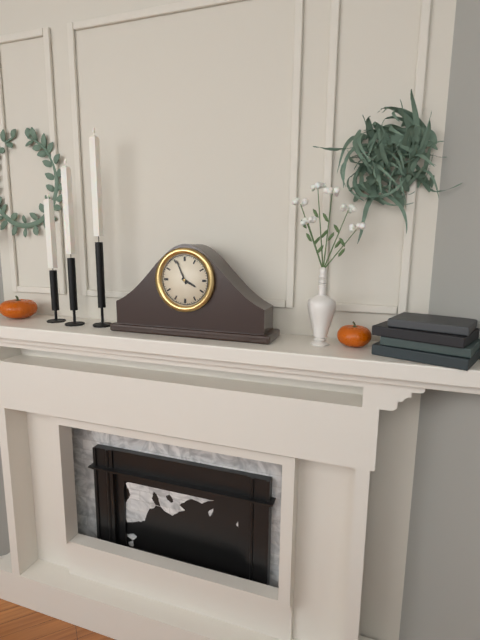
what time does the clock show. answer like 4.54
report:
3.56
